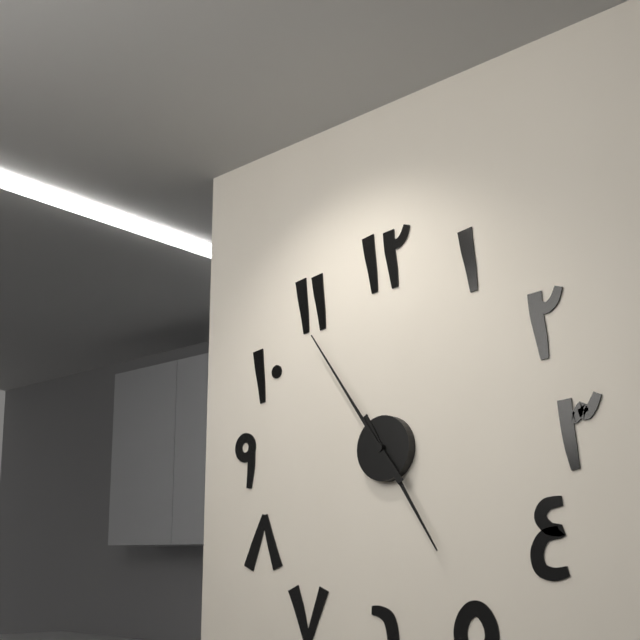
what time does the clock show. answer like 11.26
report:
4.54
